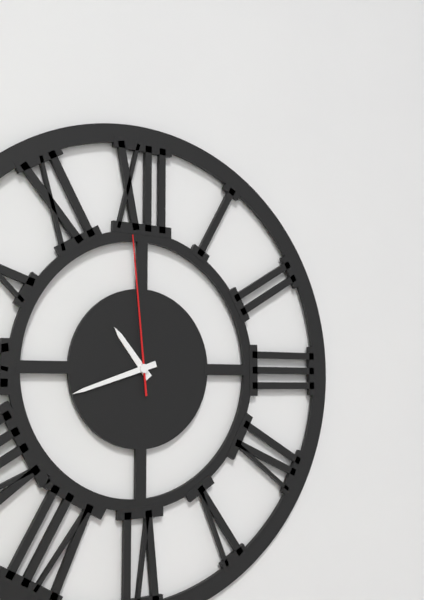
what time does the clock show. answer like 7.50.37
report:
10.42.59
